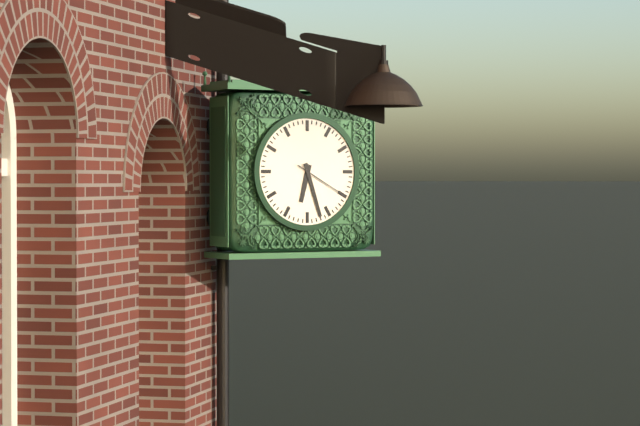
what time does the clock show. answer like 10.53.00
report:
6.27.20
